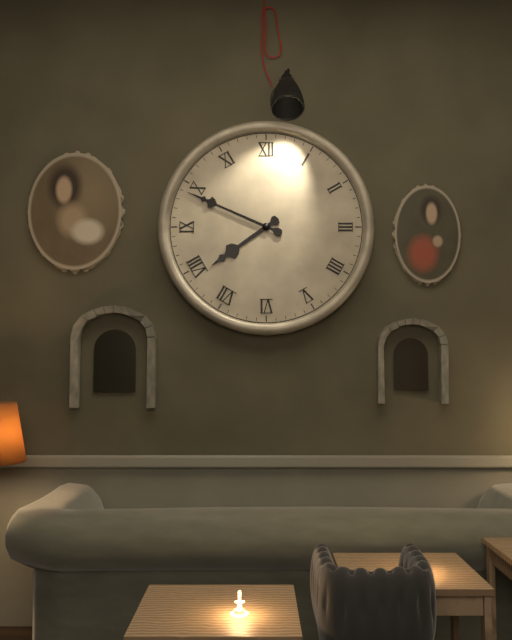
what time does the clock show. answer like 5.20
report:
7.49
